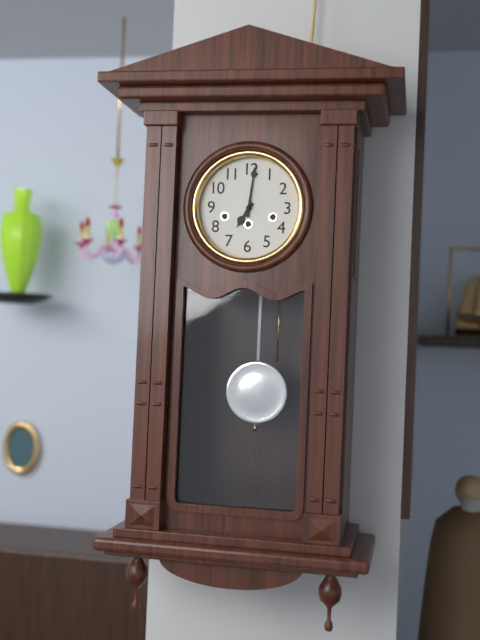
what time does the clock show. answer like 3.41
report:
7.01
